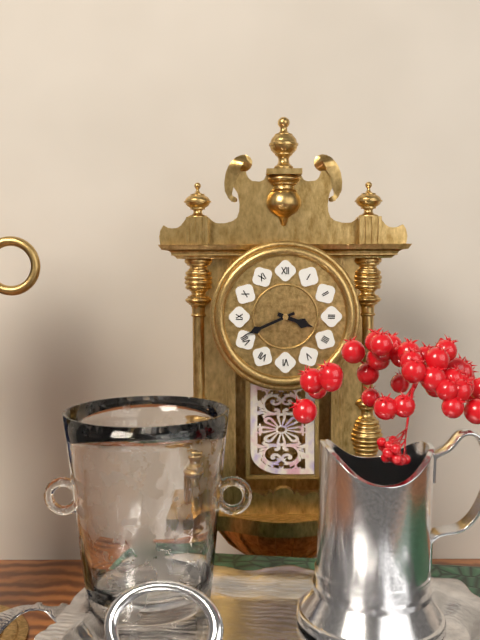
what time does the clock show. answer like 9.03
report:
3.41
